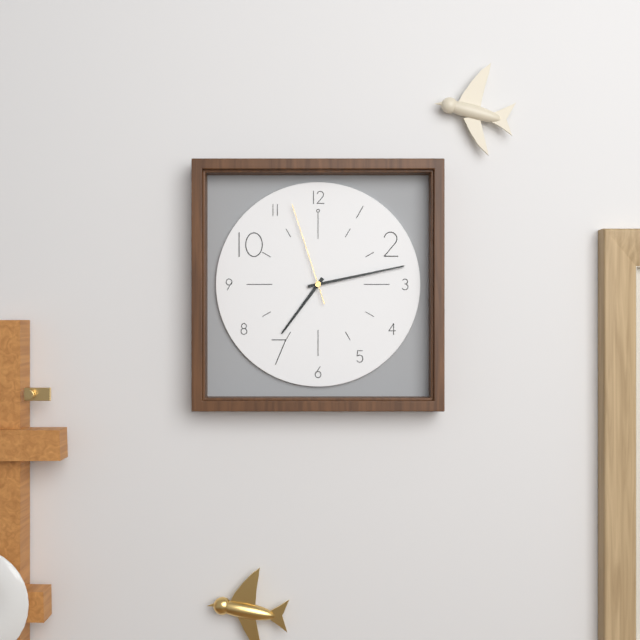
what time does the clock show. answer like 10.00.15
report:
7.13.57
